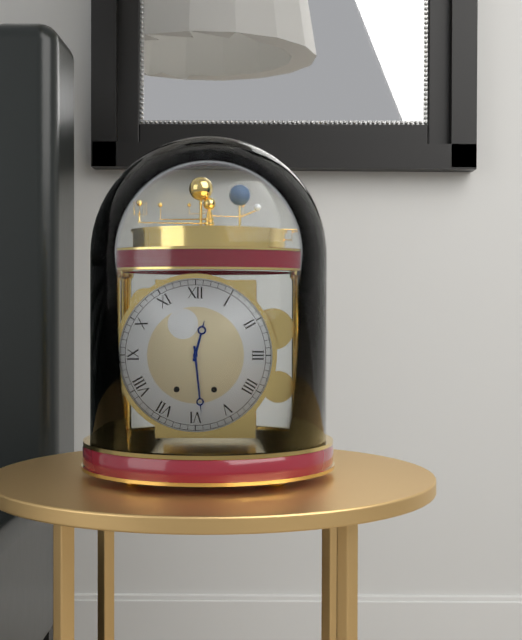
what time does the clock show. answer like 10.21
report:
12.29
